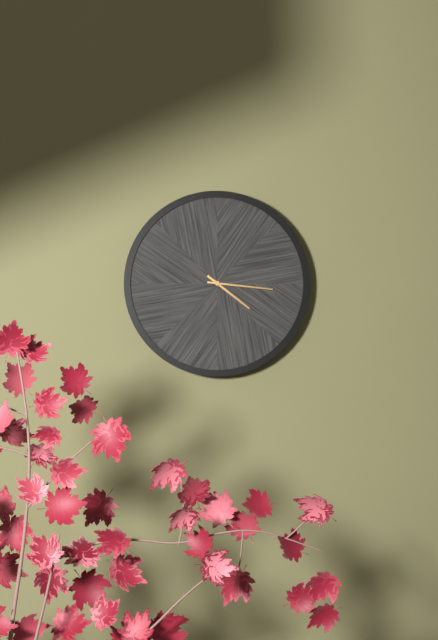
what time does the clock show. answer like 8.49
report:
4.16
